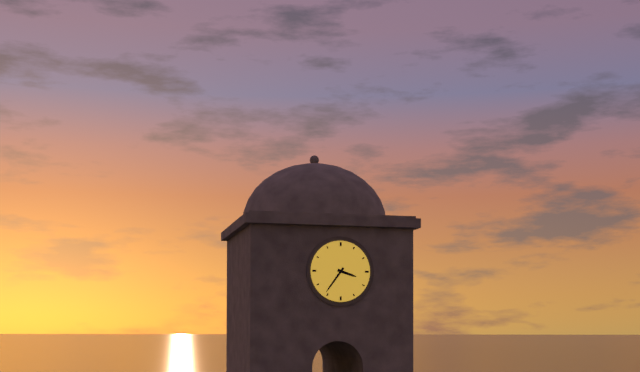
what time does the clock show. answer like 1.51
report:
3.36
